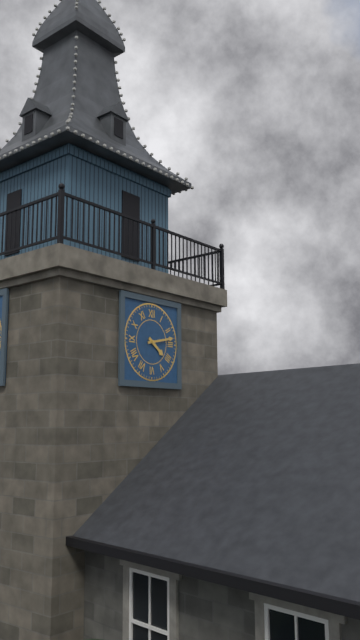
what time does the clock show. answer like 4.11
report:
4.13
